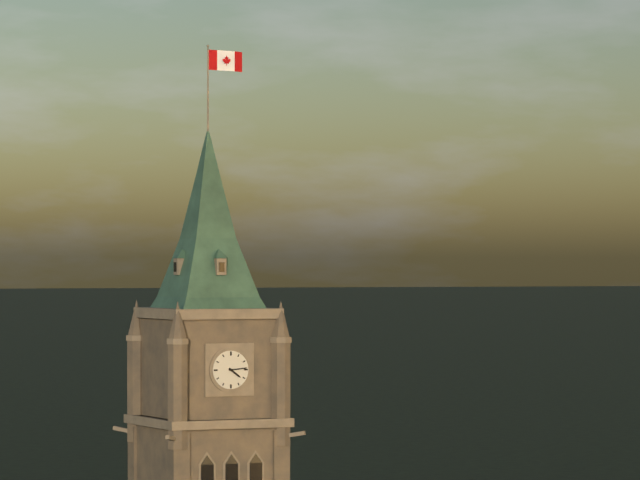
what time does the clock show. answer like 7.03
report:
4.14
